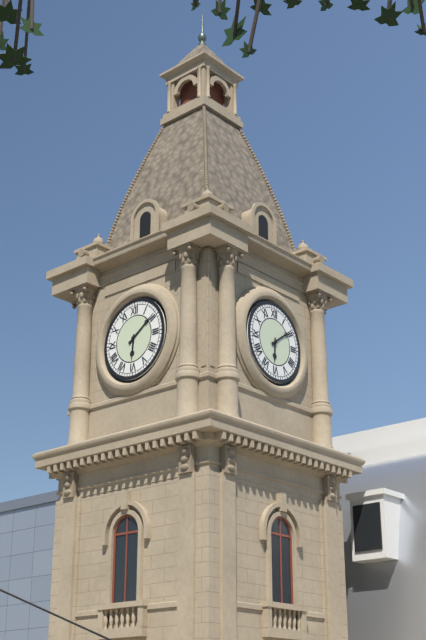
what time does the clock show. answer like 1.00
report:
6.09
